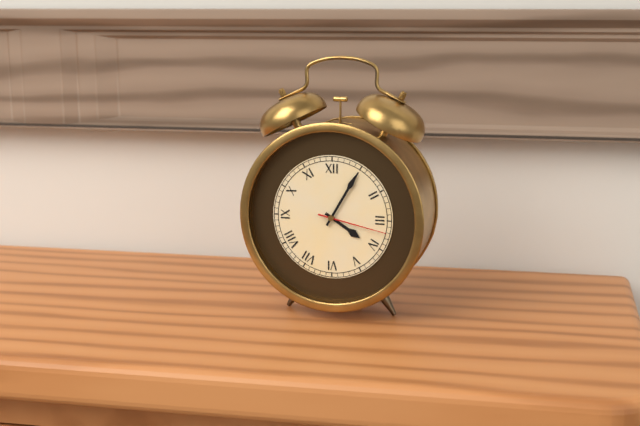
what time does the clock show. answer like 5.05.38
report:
4.05.17
